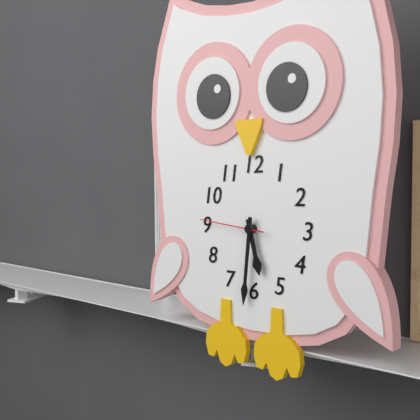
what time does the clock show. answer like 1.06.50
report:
5.31.46
